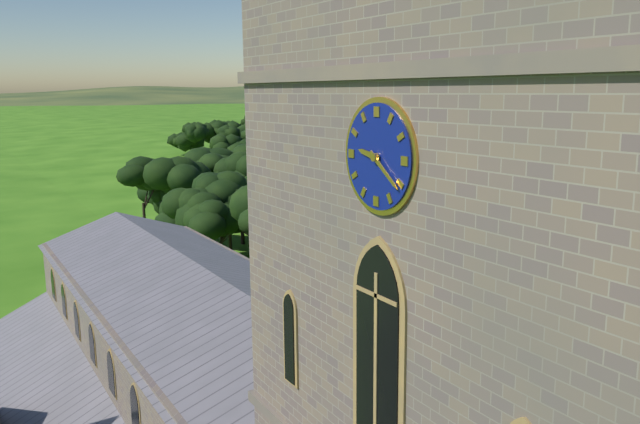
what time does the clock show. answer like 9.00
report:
9.21
